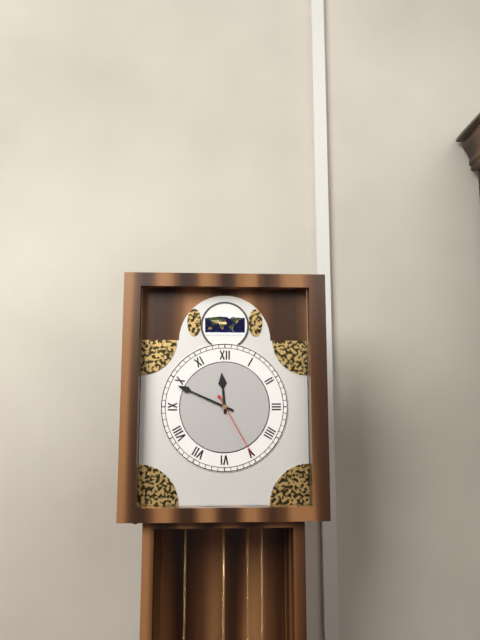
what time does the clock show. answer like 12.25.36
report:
11.49.25
